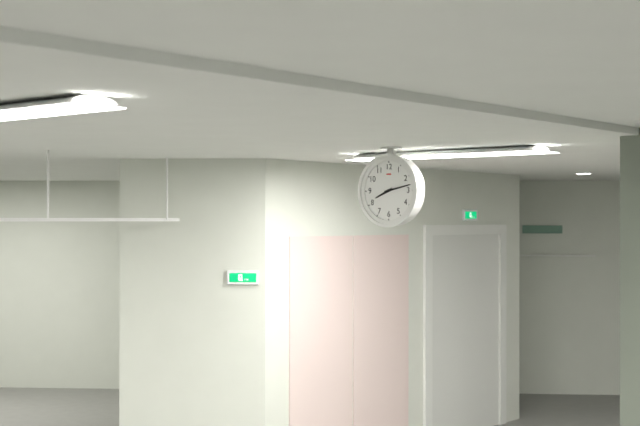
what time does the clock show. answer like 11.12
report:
8.13
